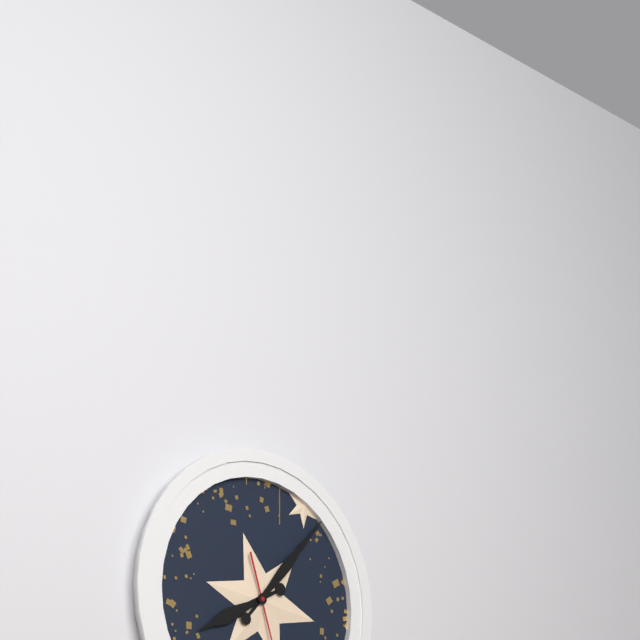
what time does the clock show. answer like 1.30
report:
8.07
